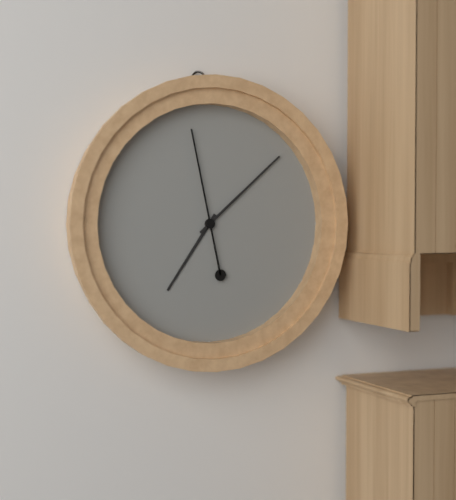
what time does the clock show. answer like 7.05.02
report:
7.08.58
